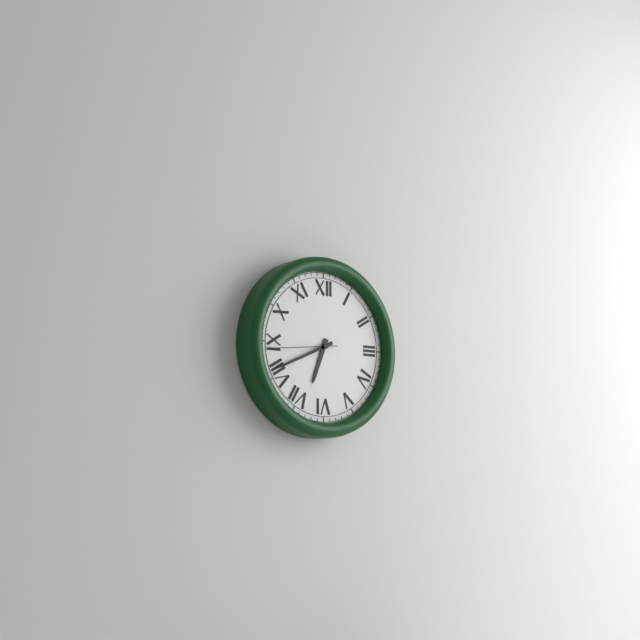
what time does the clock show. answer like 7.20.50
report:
6.41.44
